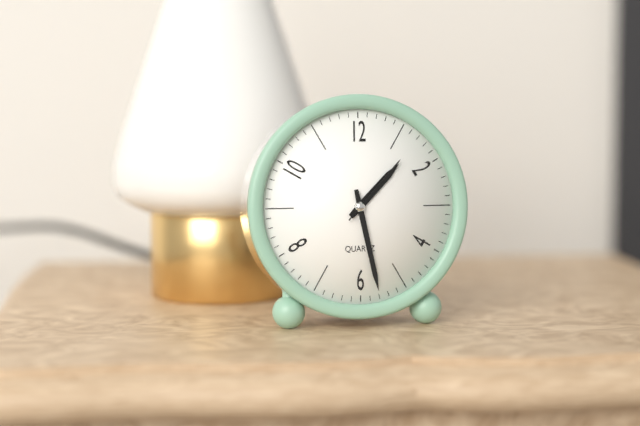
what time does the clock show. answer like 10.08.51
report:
1.28.07
